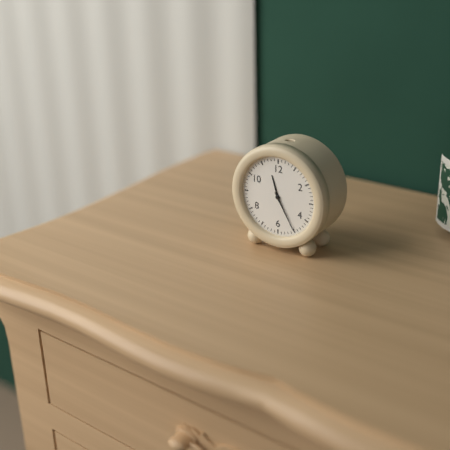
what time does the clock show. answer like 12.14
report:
11.25
